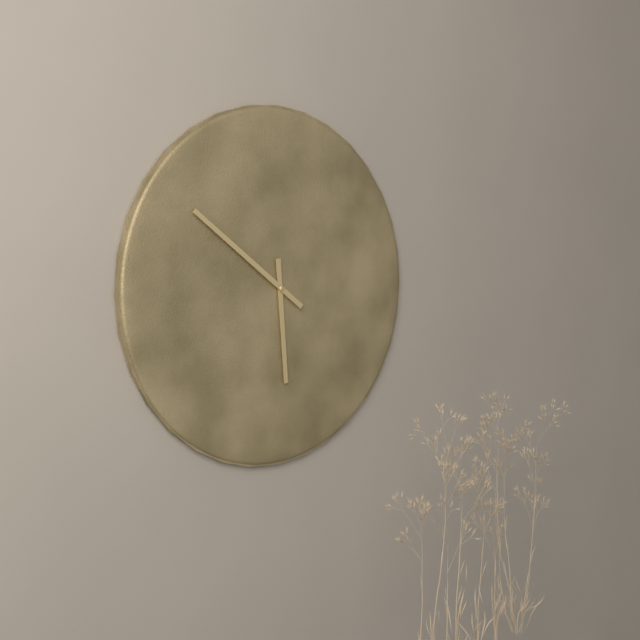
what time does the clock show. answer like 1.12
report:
5.51
